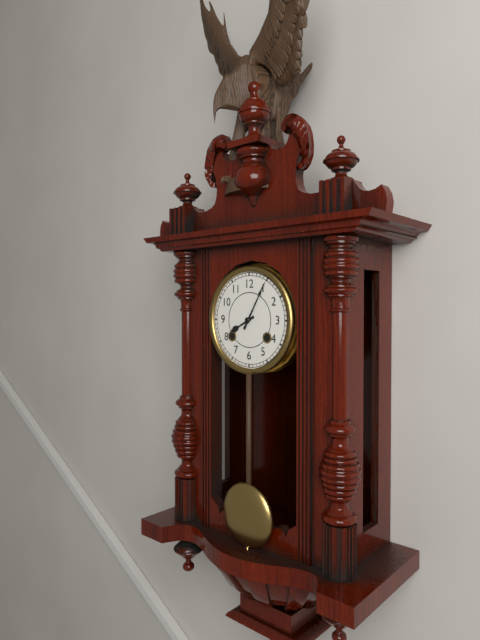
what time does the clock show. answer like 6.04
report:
8.05
